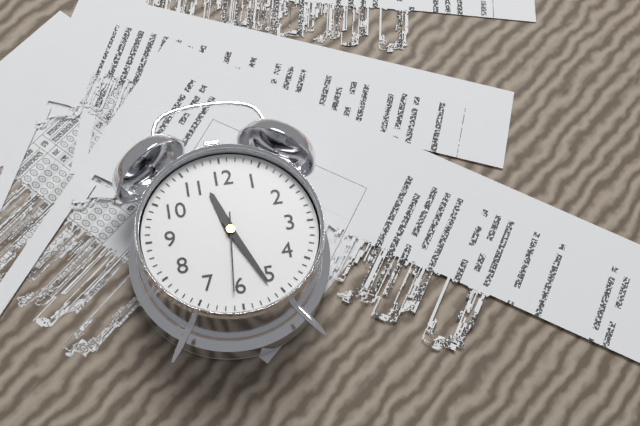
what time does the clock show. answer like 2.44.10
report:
11.26.31
